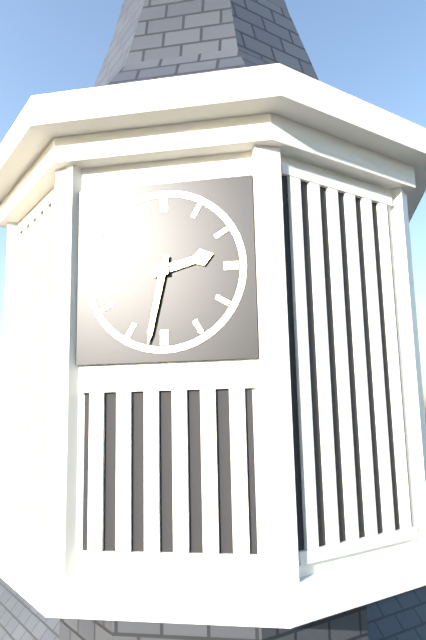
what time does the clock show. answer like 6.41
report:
2.32
